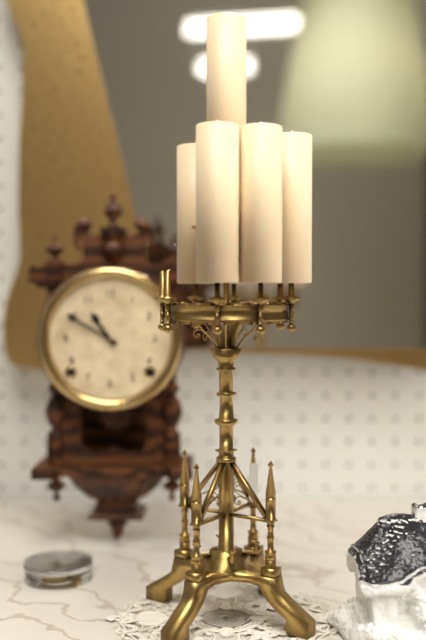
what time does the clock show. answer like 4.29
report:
10.50
